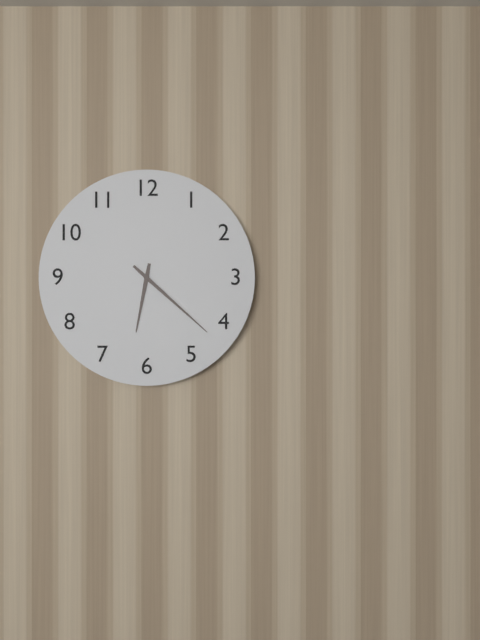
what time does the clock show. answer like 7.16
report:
6.22
